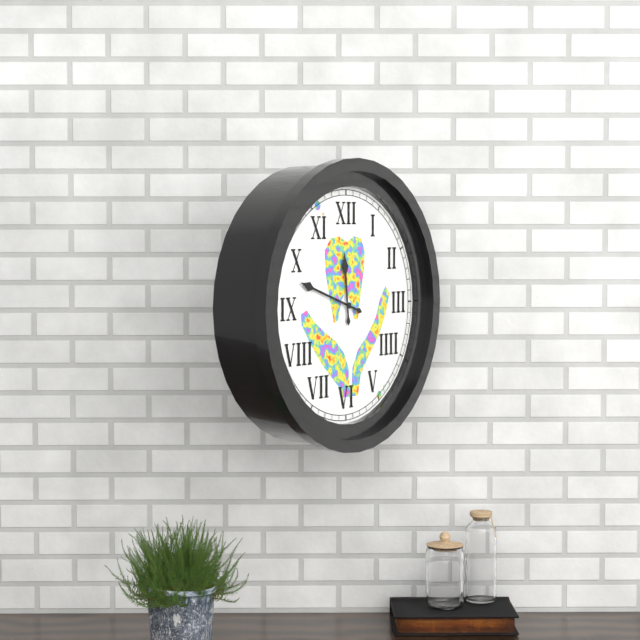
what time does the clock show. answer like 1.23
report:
11.48
